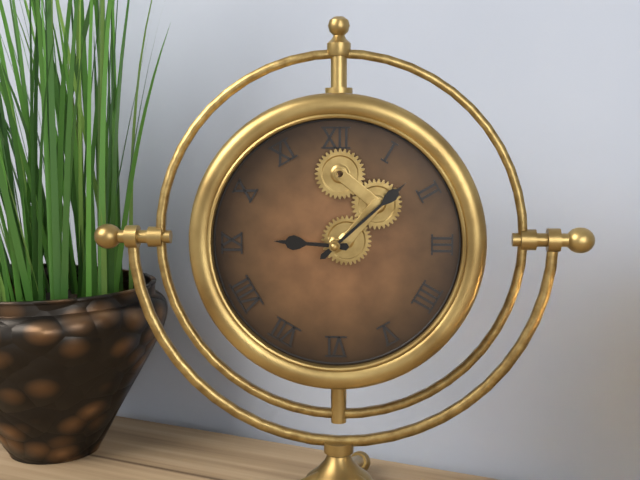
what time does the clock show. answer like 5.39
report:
9.08
